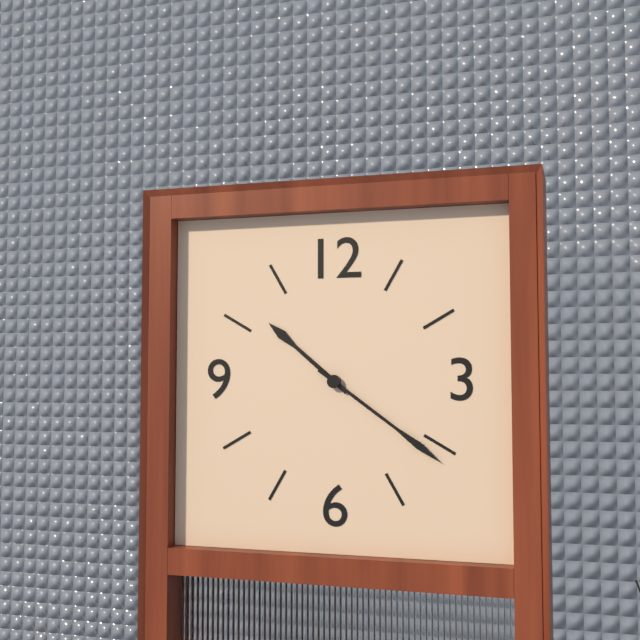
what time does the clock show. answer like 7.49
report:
10.21
